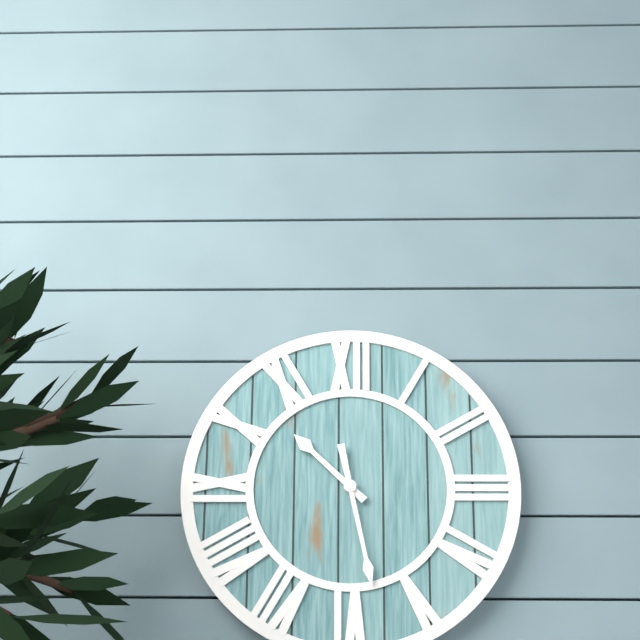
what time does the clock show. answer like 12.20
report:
10.28
